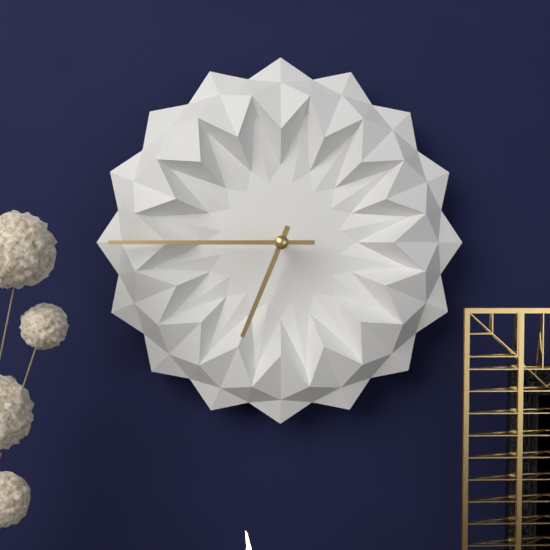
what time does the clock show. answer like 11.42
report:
6.45
